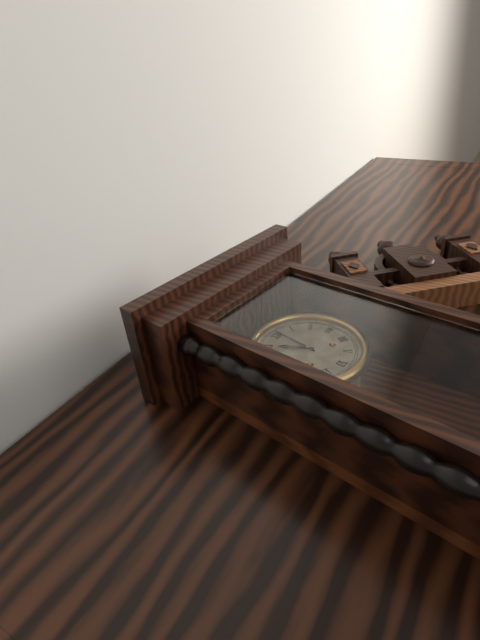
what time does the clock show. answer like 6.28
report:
11.01
